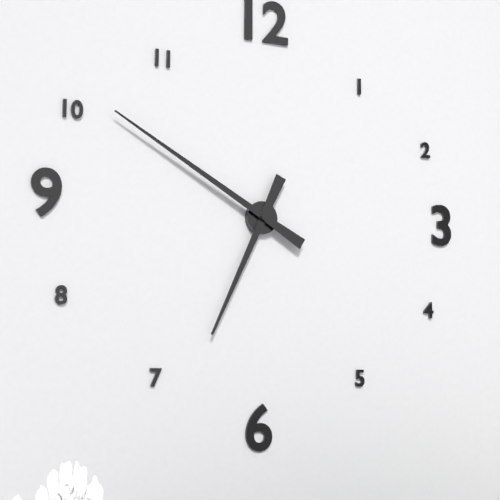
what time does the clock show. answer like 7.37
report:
6.50
